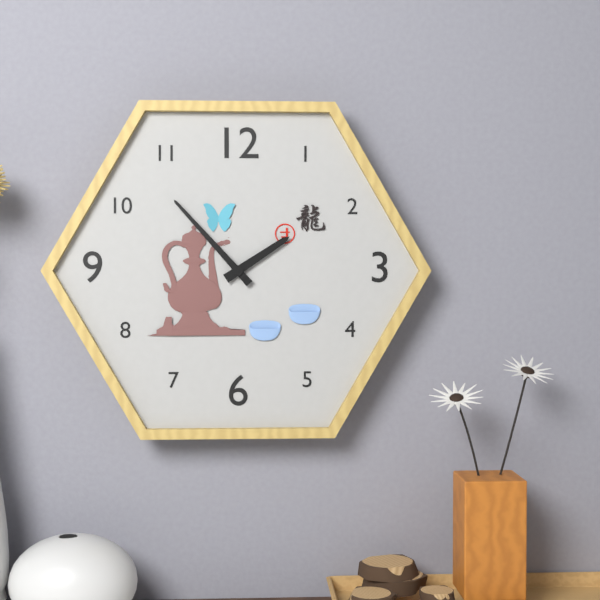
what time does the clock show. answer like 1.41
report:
1.53
